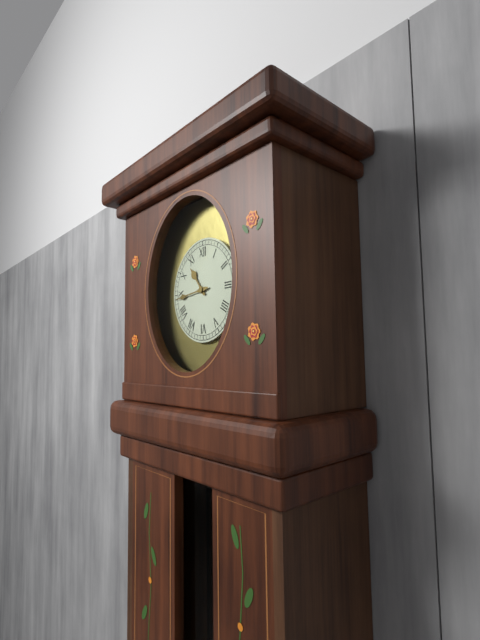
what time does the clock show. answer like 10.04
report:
10.44
